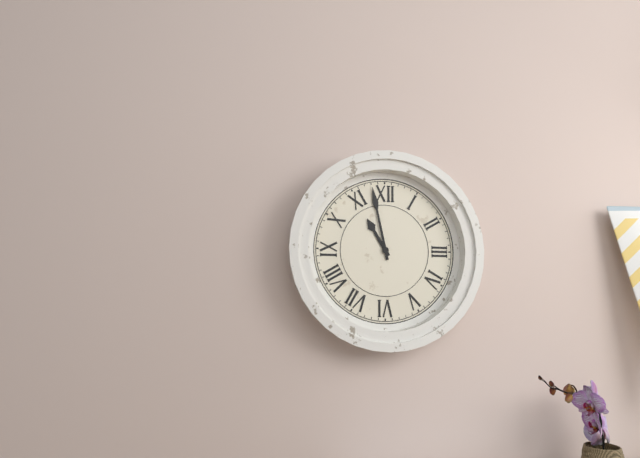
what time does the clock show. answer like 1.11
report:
10.58
